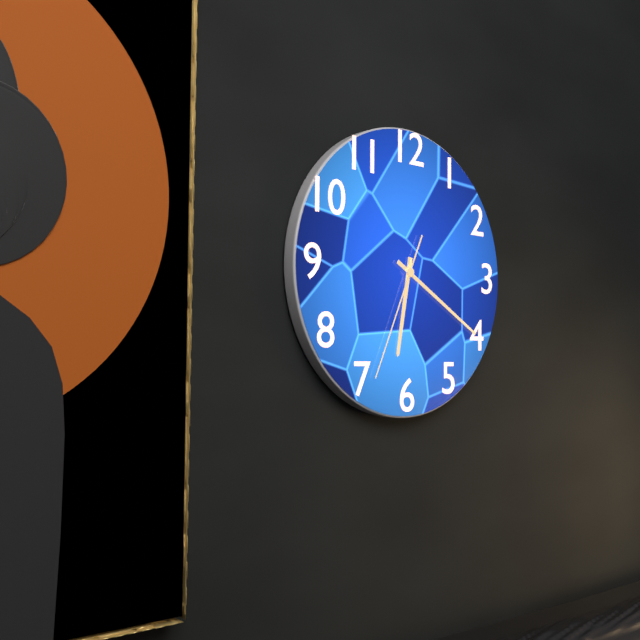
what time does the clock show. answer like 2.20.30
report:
6.20.34
